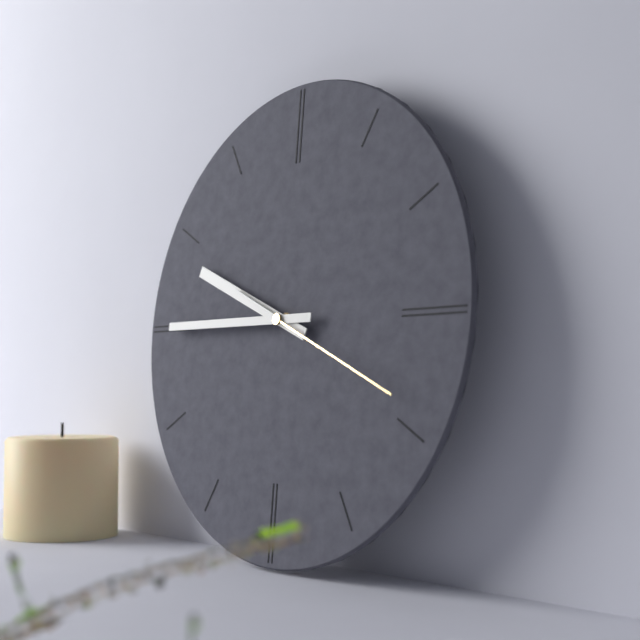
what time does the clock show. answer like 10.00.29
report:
9.45.19
